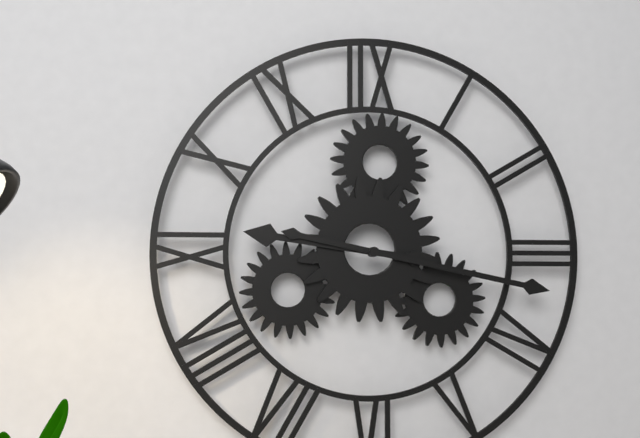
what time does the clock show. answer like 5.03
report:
9.17
